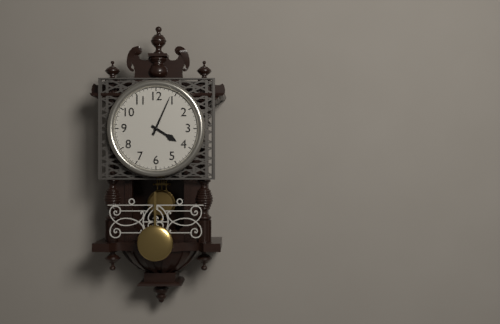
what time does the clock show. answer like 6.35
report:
4.04
